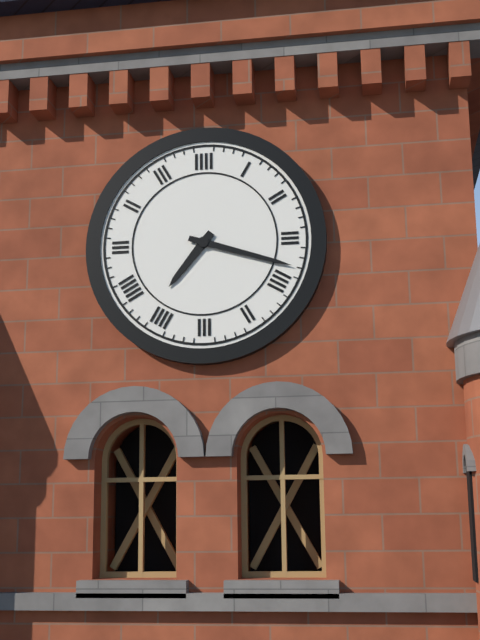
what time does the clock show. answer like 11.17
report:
7.18
